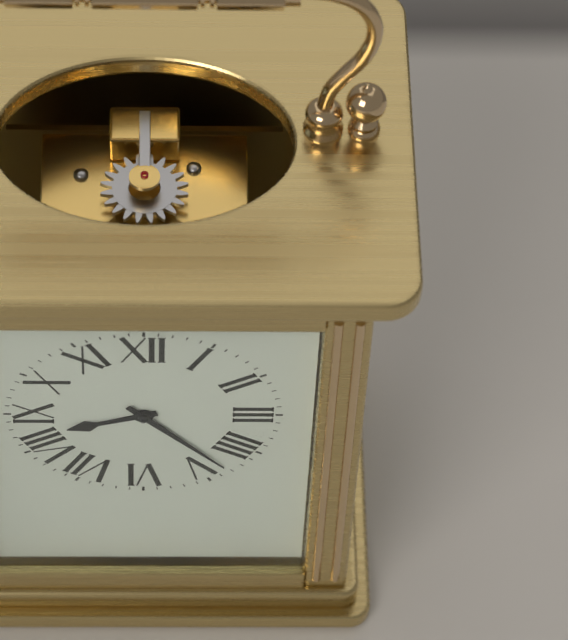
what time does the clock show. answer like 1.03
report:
8.23
